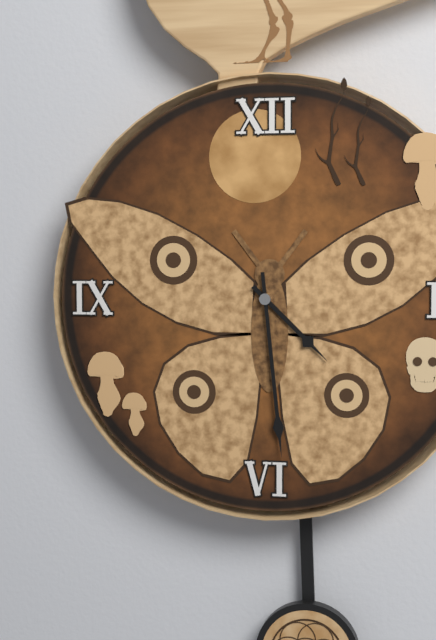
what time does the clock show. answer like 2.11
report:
4.29
